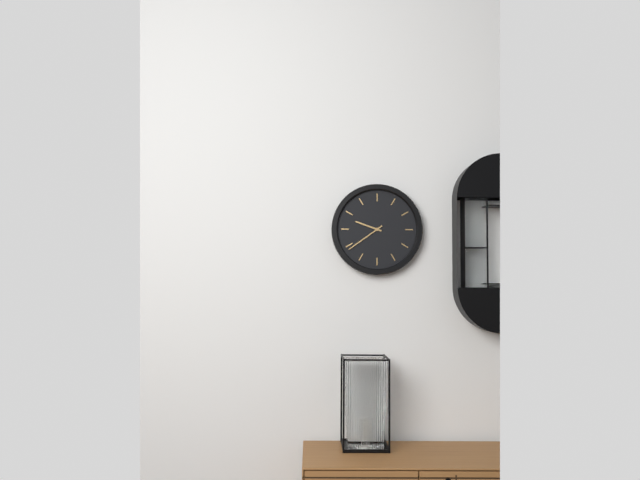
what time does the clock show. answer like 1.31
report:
9.39
